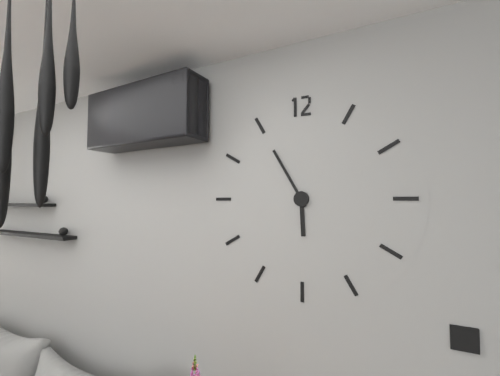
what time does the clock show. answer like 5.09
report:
5.55
